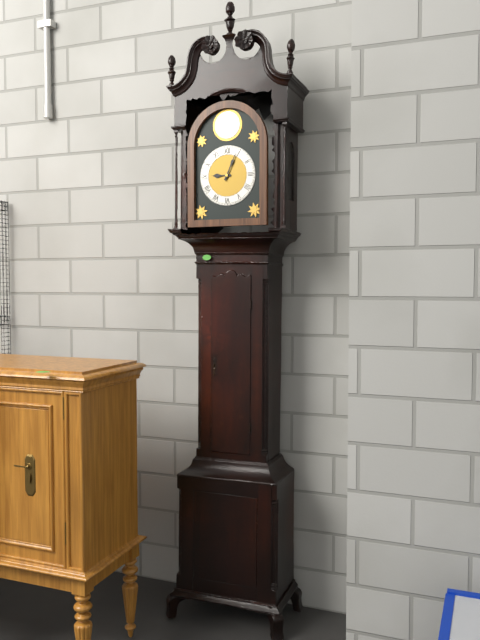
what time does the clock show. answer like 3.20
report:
9.04
